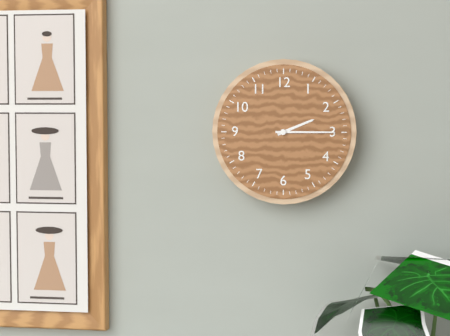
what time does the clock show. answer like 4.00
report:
2.15
